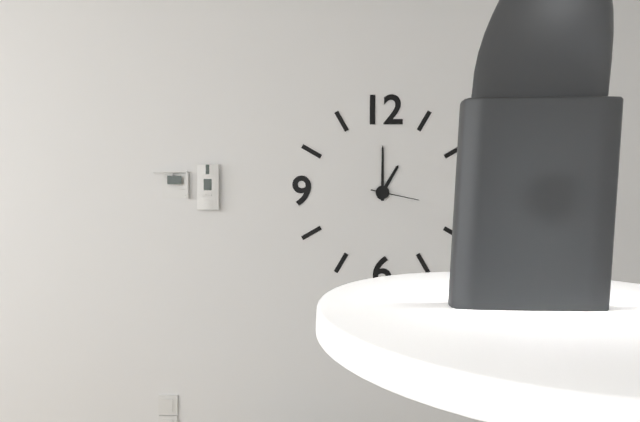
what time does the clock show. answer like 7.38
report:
1.00
